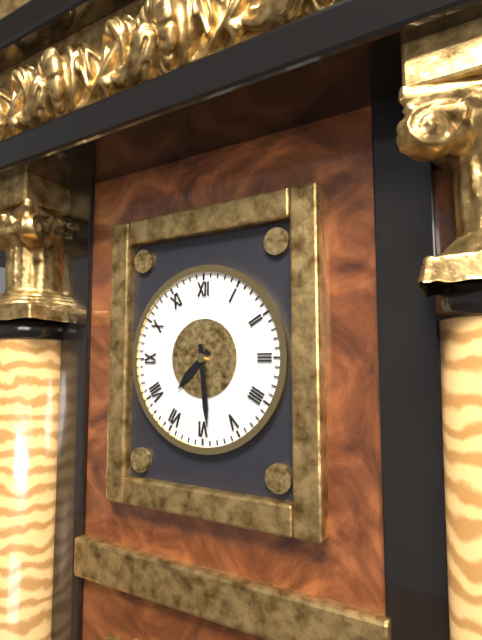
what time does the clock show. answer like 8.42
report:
7.29
